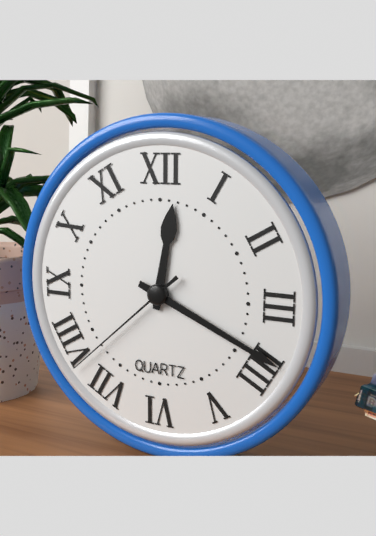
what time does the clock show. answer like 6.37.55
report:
12.19.38
